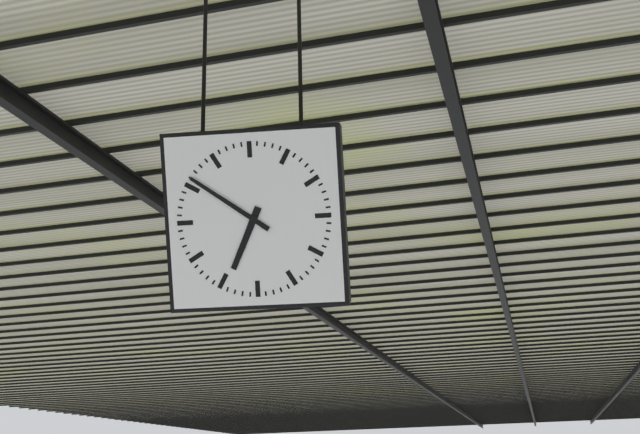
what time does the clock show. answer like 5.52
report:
6.51
